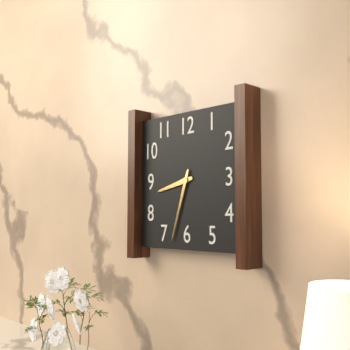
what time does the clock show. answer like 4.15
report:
8.33
